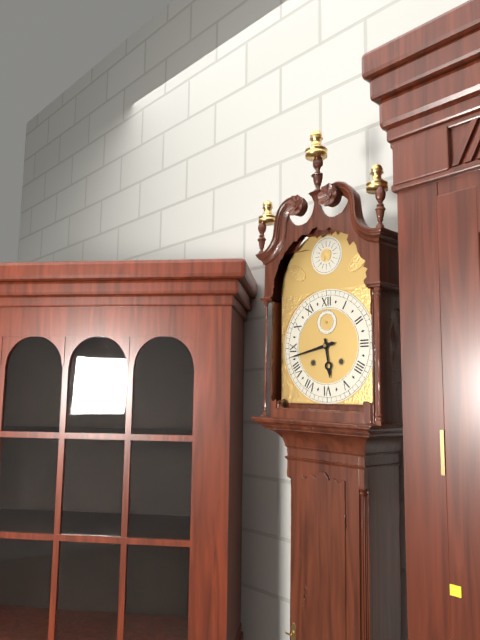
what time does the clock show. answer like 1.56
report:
5.43
